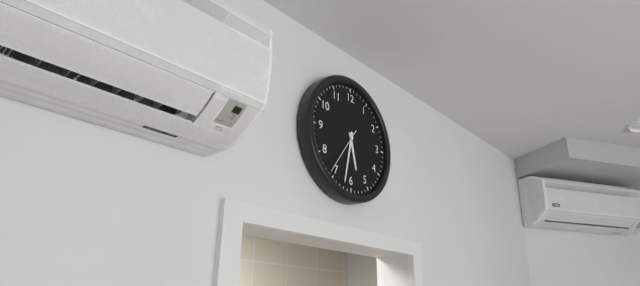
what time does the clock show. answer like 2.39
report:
5.32
